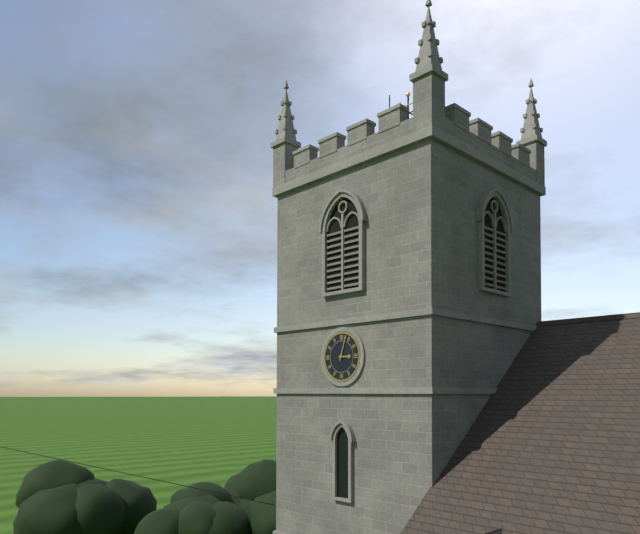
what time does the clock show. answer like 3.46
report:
3.03
